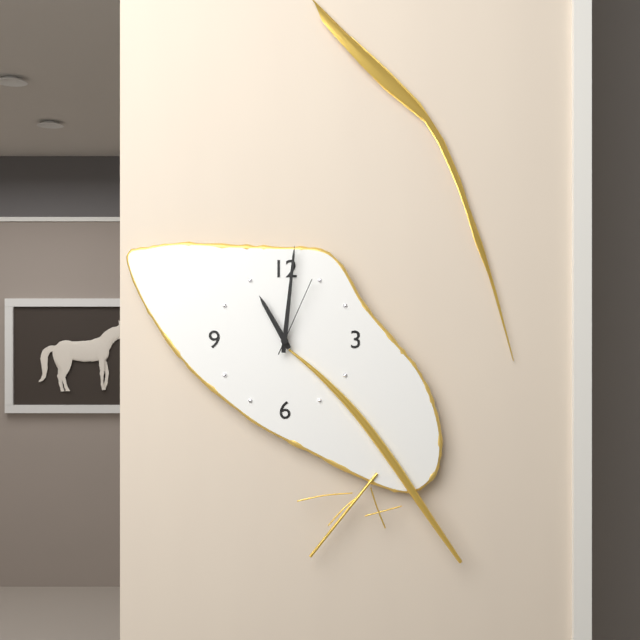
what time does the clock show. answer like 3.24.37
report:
11.01.04
